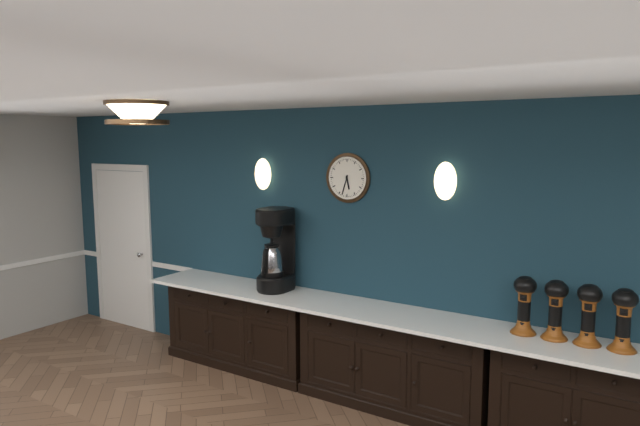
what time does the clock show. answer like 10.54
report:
5.33
